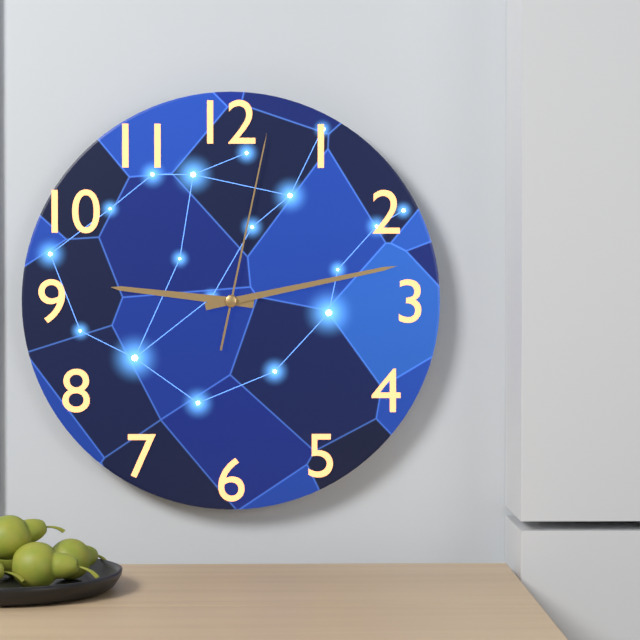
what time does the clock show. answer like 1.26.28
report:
9.13.02
